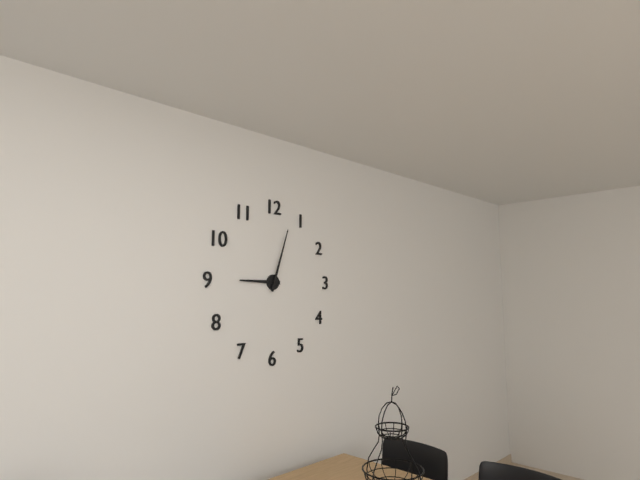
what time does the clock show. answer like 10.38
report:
9.03
